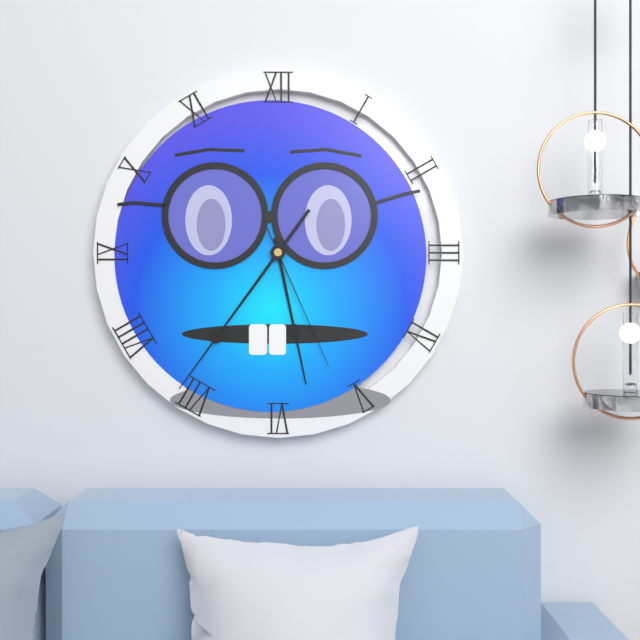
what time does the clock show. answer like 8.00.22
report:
5.36.26
